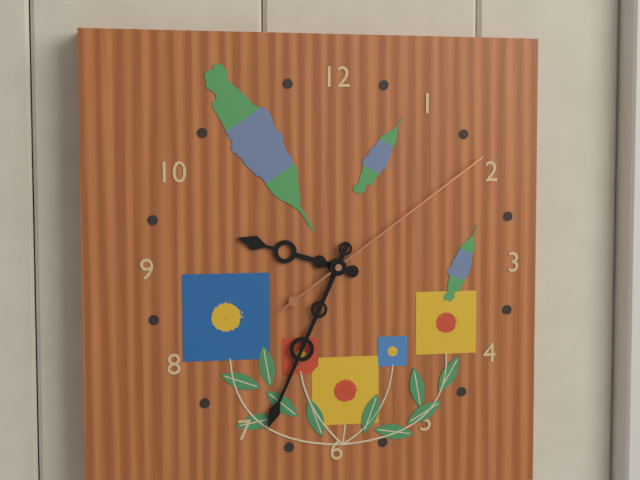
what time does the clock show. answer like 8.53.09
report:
9.34.09
